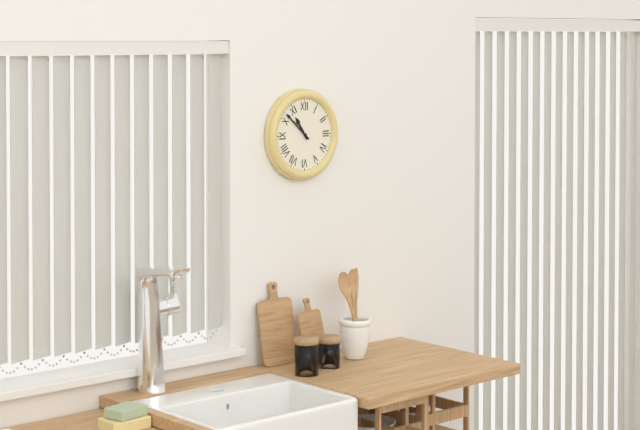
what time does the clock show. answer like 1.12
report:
10.52
